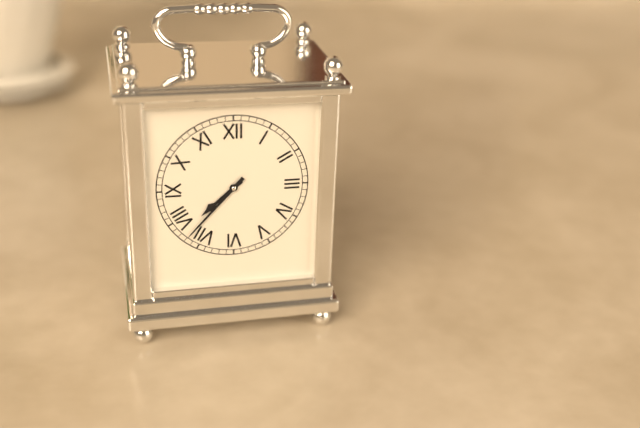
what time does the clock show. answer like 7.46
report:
7.37
